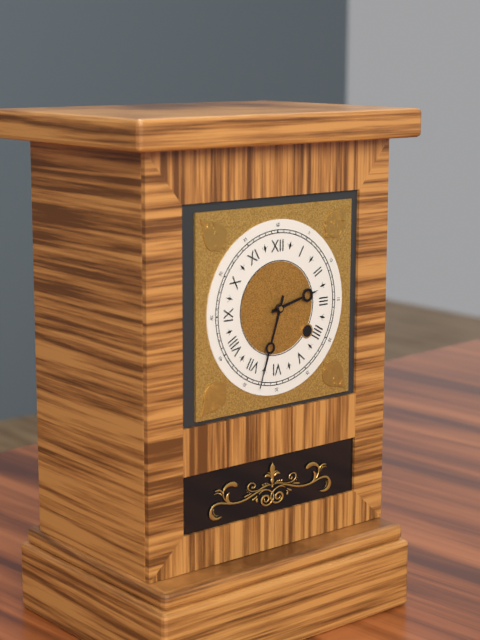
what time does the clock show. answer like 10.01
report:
2.33
